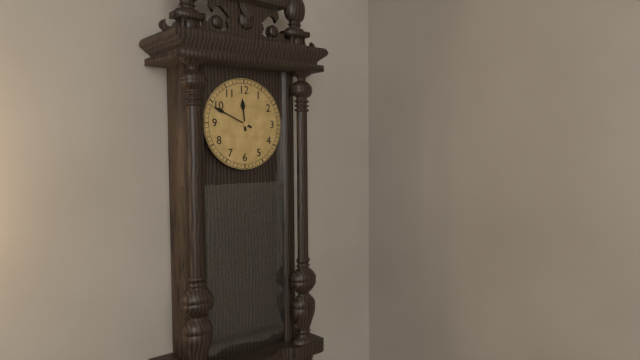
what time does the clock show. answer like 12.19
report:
11.49
